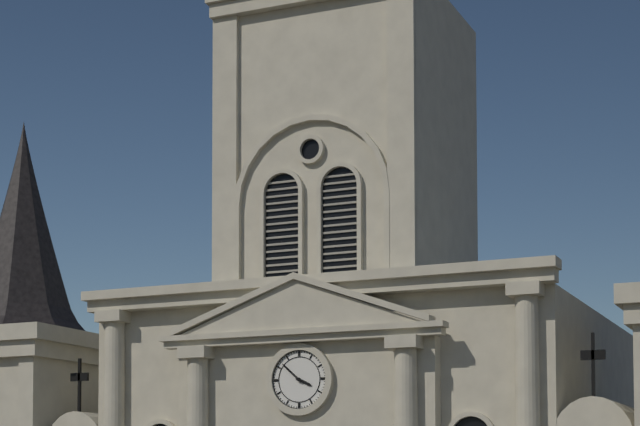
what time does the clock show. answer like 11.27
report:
3.52
